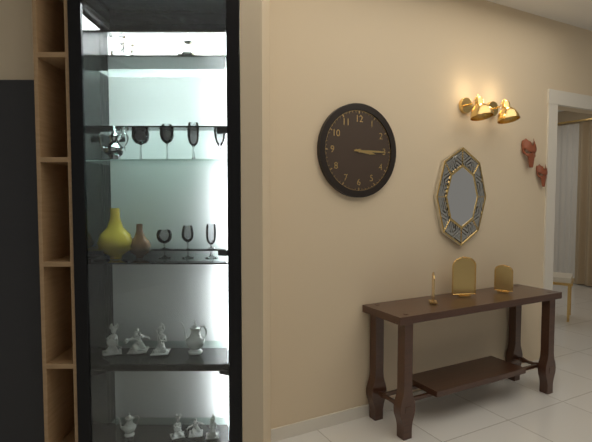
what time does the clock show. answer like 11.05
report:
3.15
